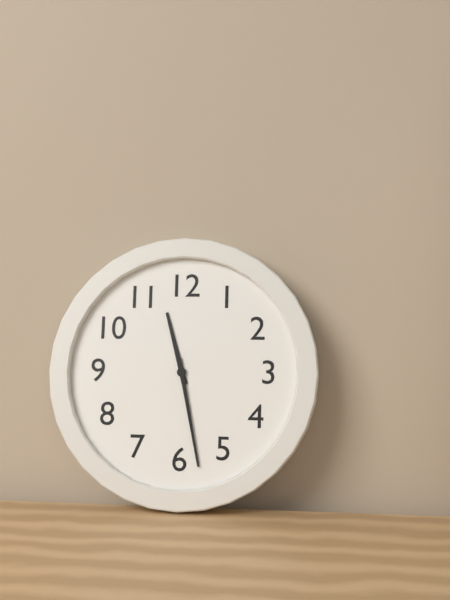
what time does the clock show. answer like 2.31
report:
11.28
